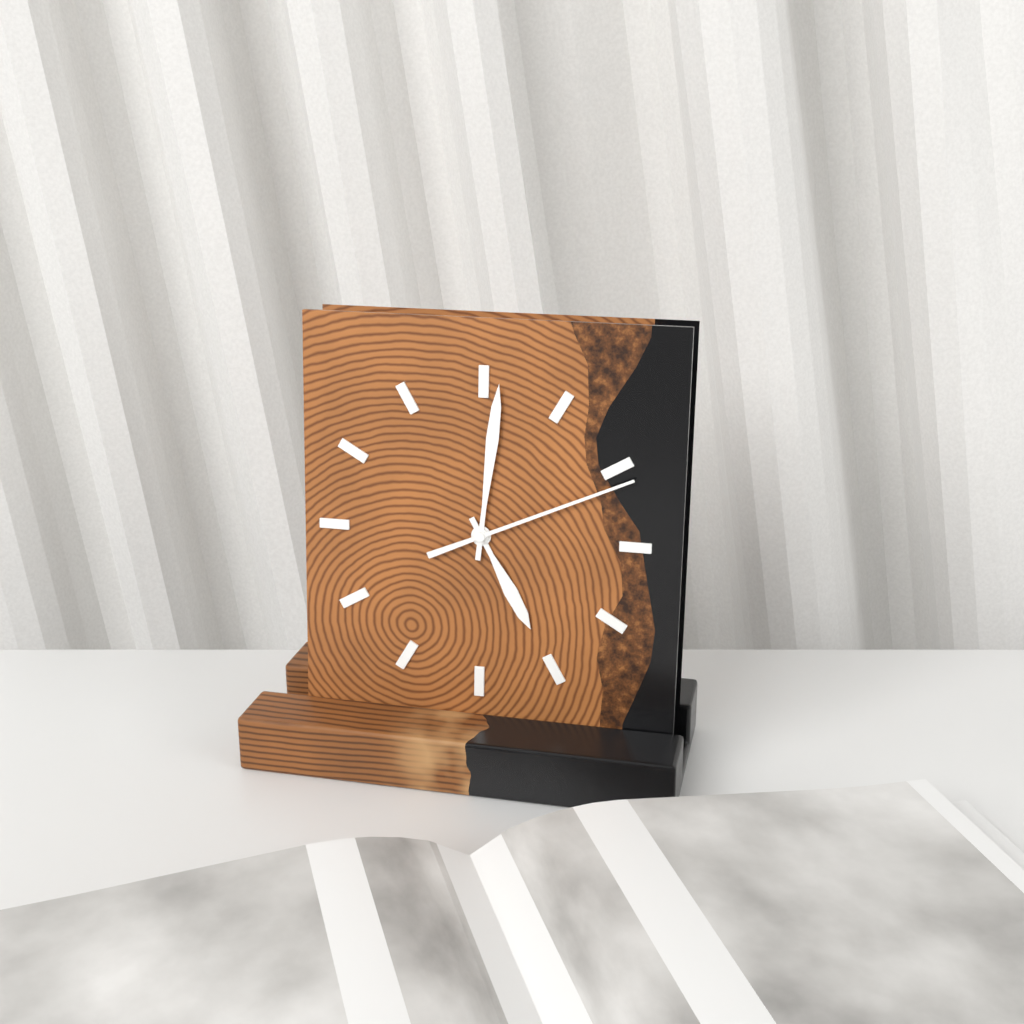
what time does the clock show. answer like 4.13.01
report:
5.01.11
